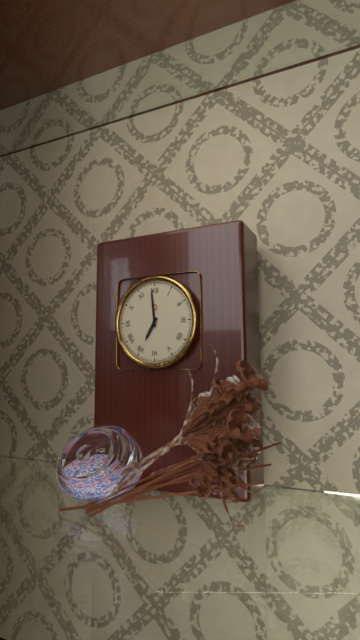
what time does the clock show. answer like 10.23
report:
6.59
